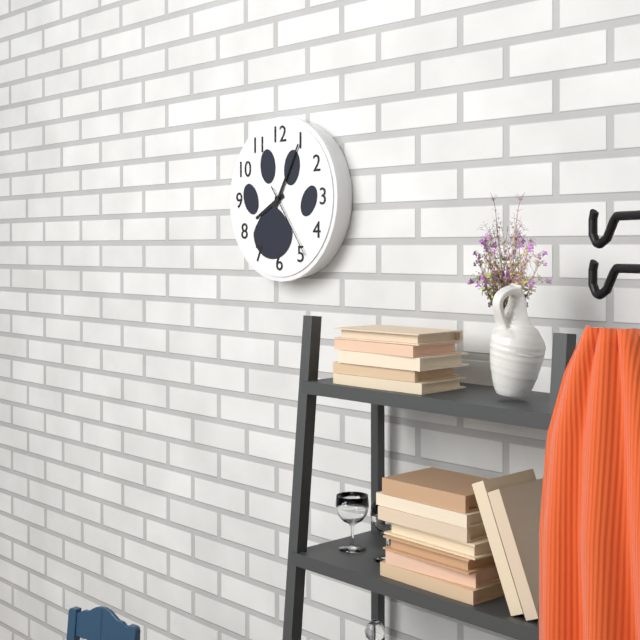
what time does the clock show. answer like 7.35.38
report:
8.05.24
